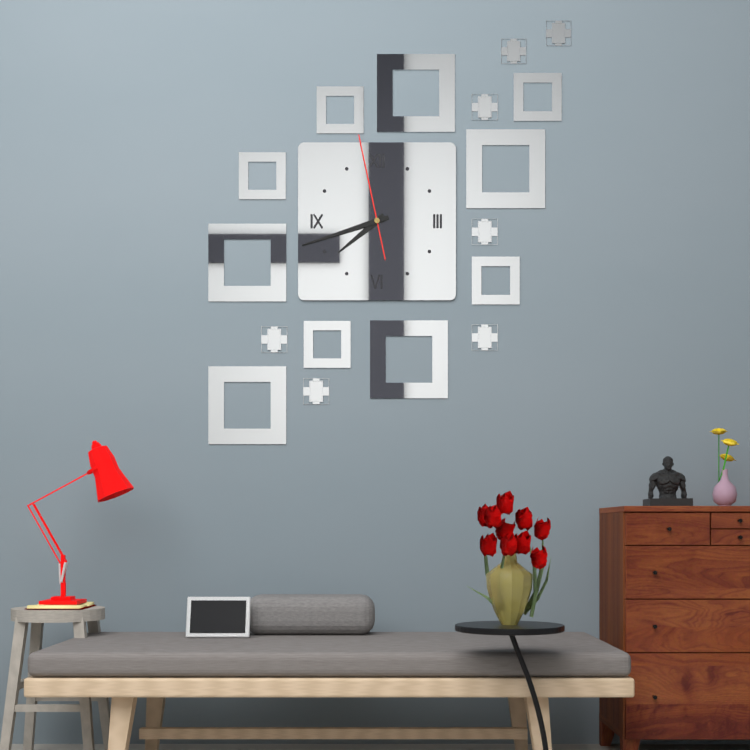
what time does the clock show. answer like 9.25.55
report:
7.42.58
